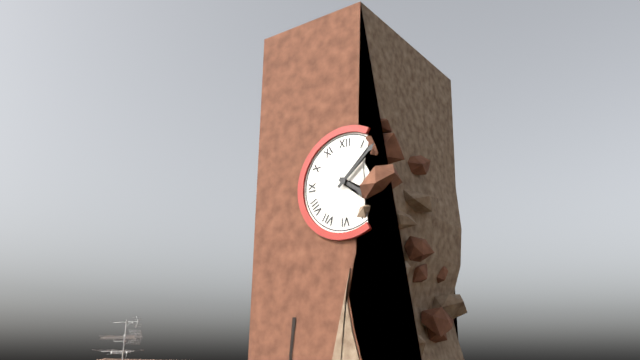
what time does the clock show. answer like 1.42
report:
4.08
